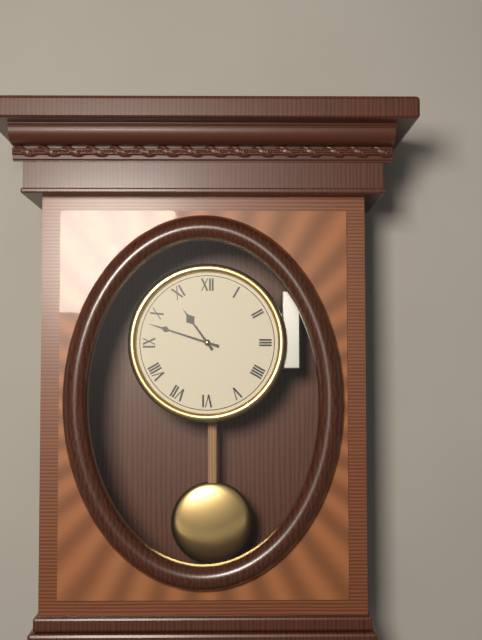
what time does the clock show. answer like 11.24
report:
10.48
